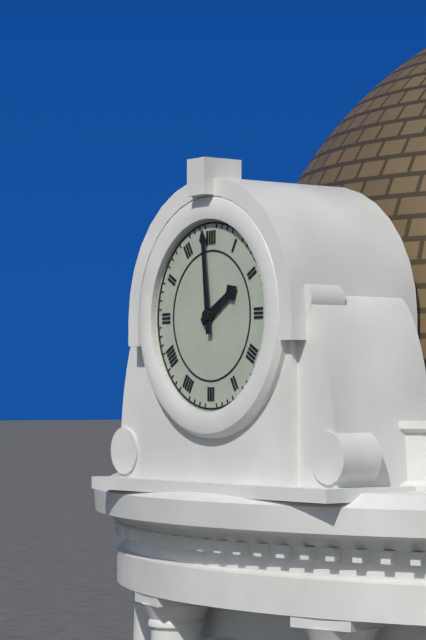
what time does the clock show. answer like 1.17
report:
1.59
